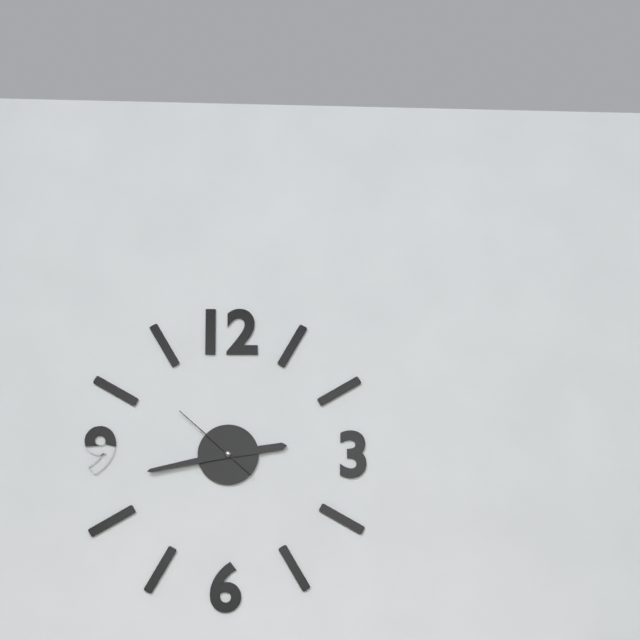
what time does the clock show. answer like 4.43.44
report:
2.43.52
